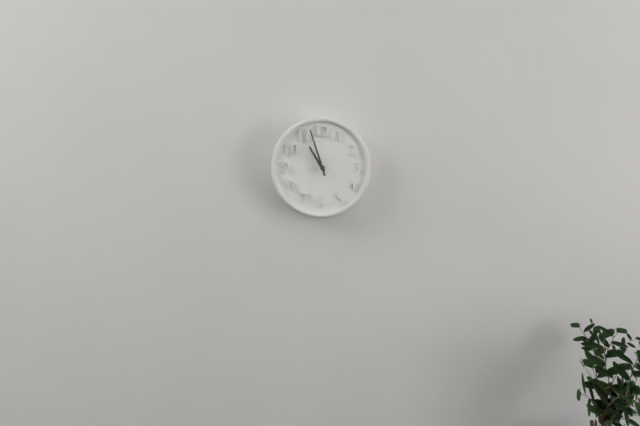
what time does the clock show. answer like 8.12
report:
10.57
